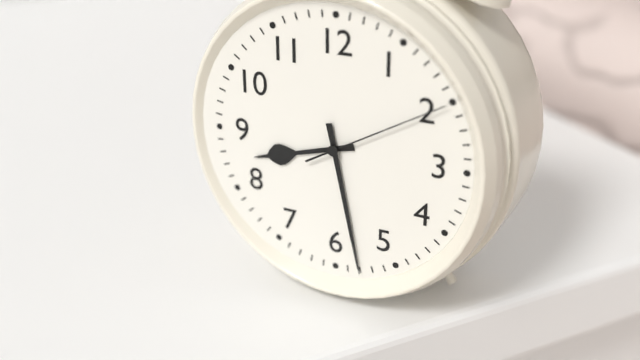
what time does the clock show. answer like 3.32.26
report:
8.28.10
